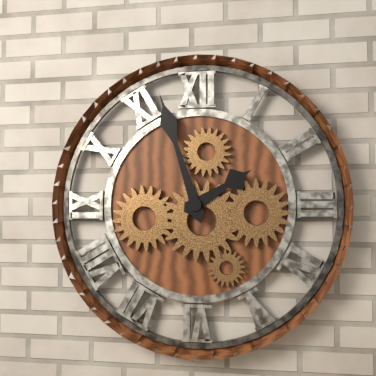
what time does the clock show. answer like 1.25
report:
1.57
